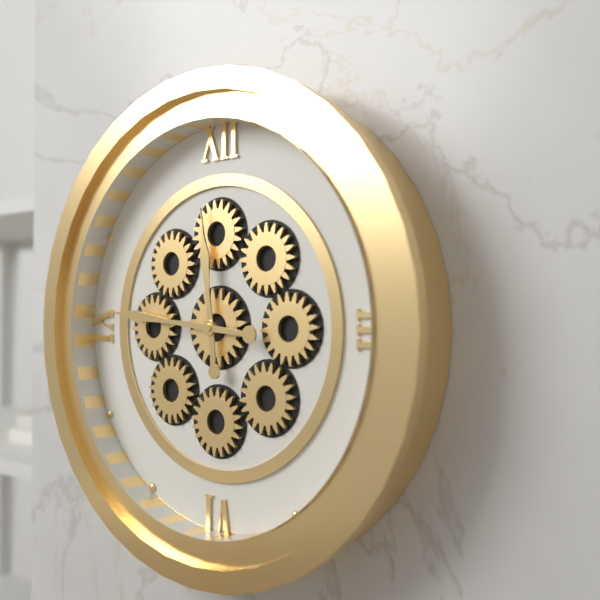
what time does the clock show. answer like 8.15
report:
11.46
